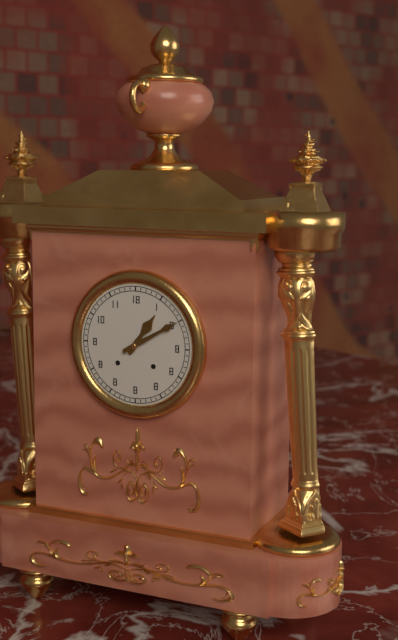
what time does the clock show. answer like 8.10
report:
1.10
